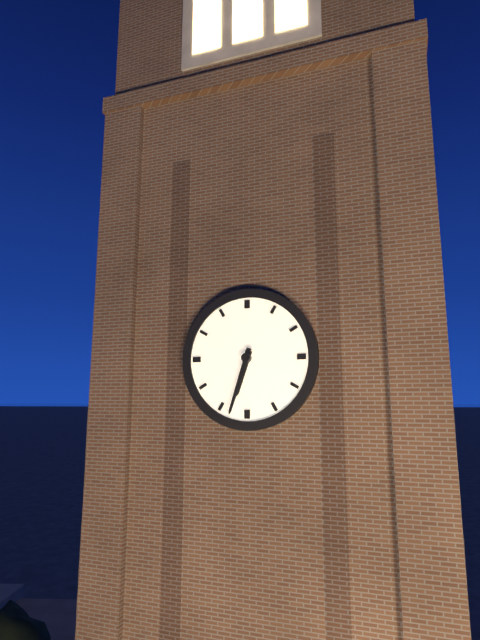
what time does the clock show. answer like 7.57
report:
6.33
